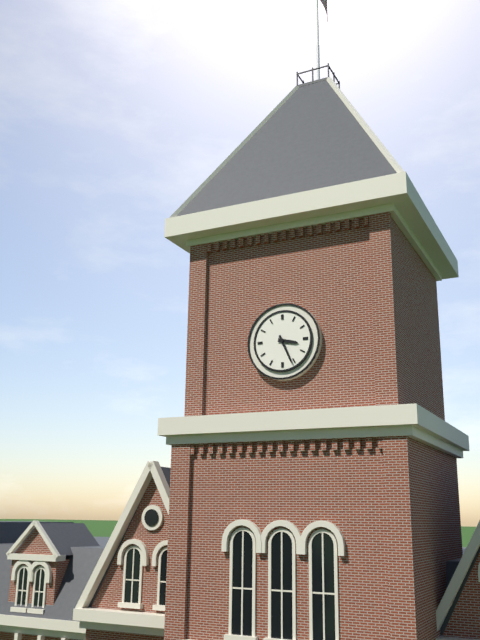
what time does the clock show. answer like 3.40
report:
3.26
